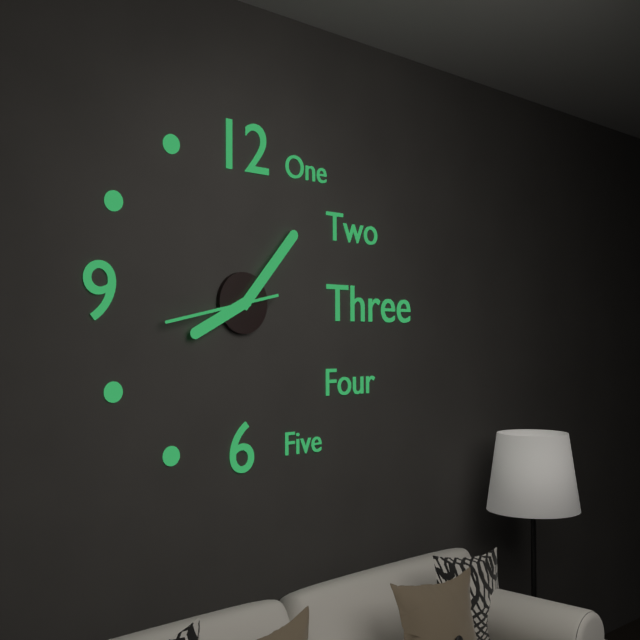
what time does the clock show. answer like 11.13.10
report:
8.07.43
